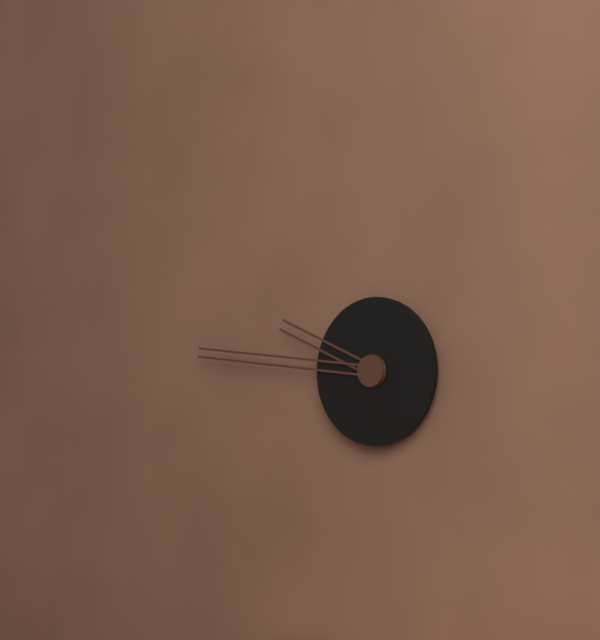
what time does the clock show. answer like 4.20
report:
9.46
